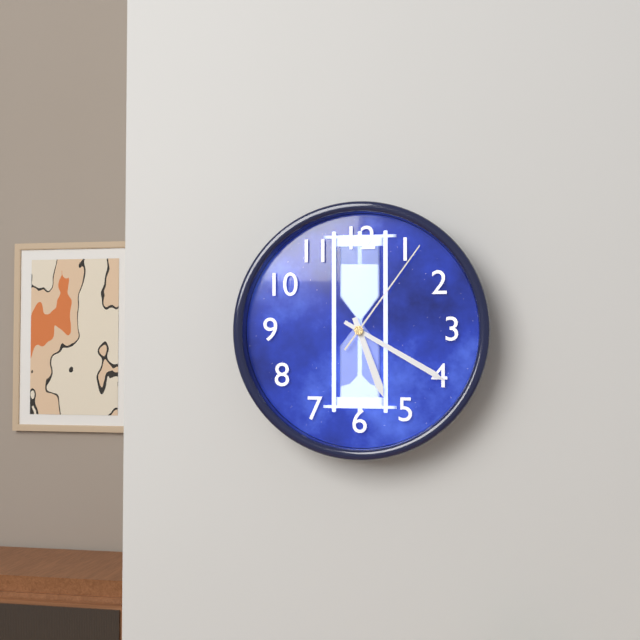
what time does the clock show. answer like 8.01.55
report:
5.20.06
